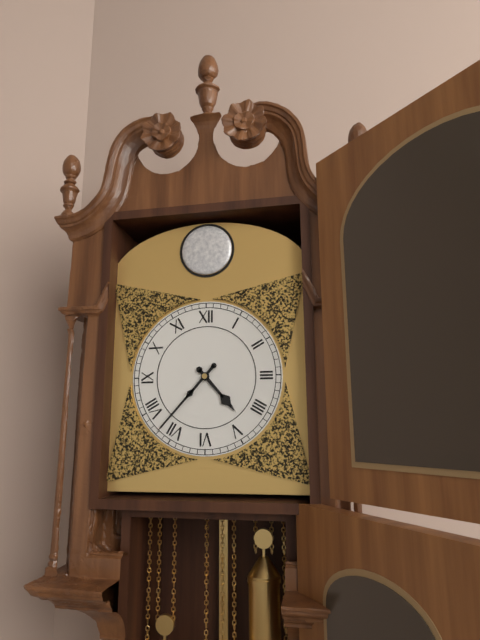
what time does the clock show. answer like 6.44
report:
4.37
